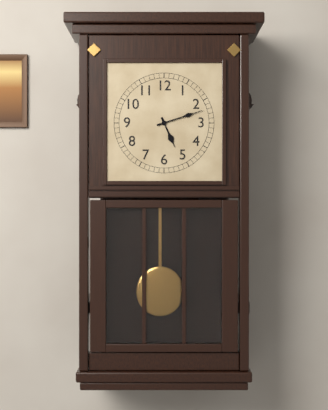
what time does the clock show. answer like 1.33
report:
5.12
